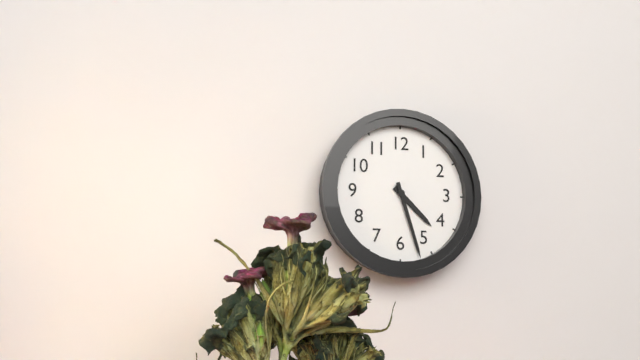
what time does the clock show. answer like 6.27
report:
4.27
